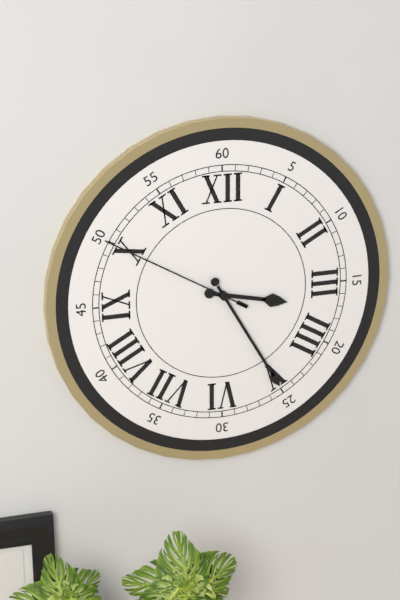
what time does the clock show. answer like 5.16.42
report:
3.25.50
